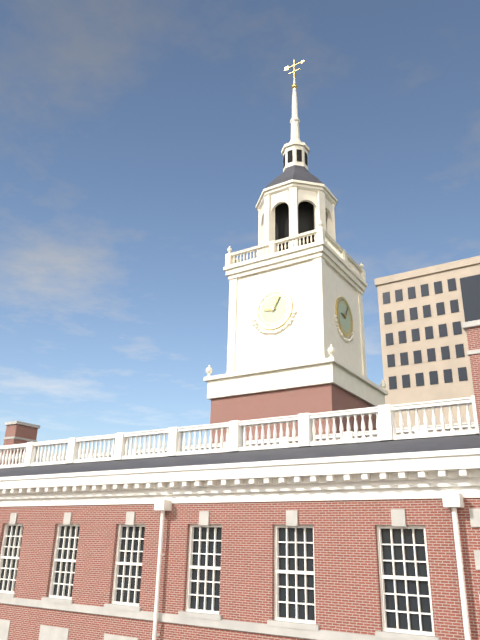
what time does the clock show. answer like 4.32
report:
9.05
